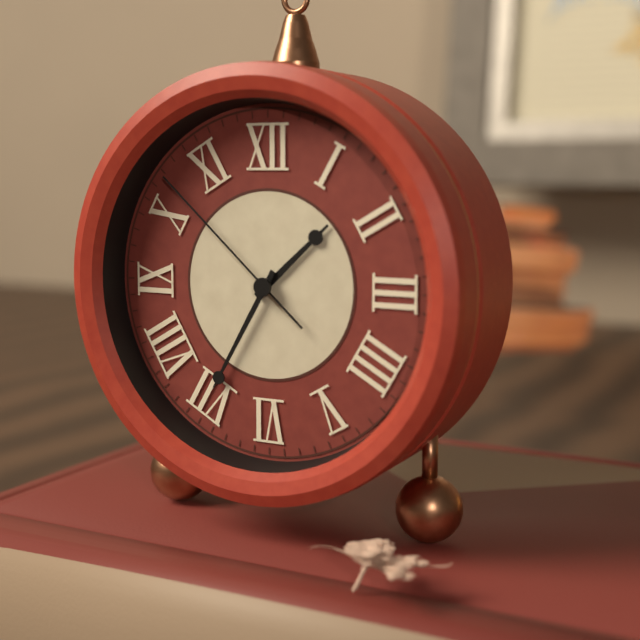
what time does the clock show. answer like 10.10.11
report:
1.35.52
